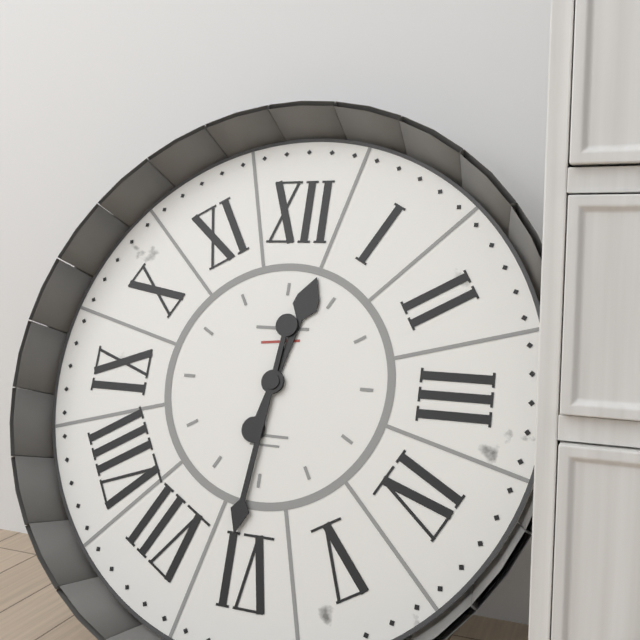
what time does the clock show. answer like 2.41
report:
12.31
